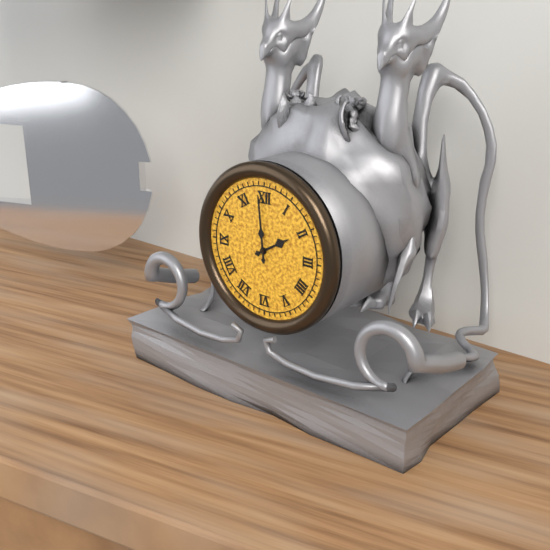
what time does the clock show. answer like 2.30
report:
1.59
